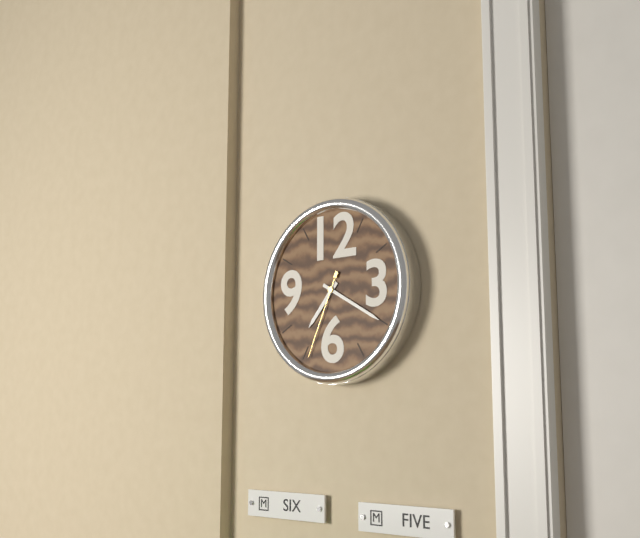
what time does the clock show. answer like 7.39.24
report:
7.20.34
